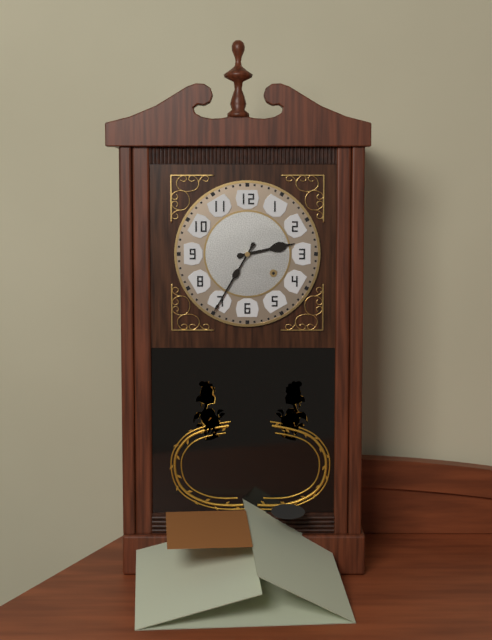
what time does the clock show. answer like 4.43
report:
2.35
